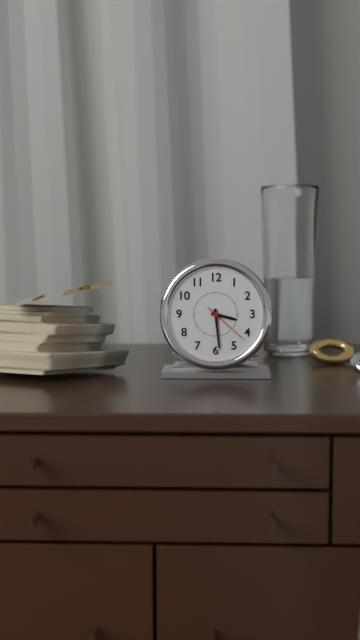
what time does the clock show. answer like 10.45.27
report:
3.29.22
